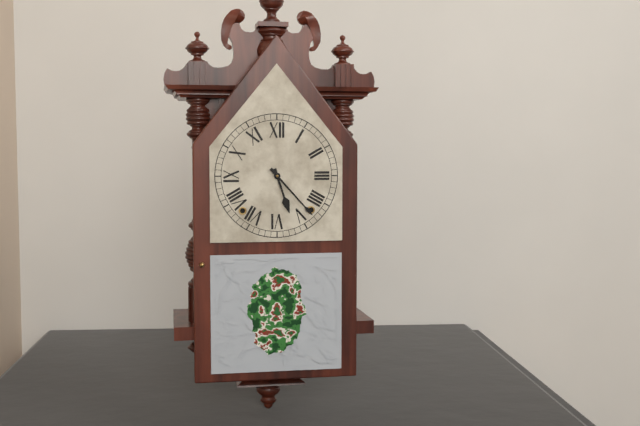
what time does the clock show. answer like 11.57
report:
5.23
